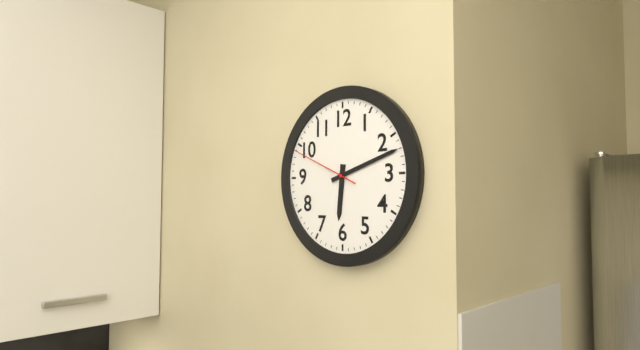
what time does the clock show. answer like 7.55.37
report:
6.12.49
